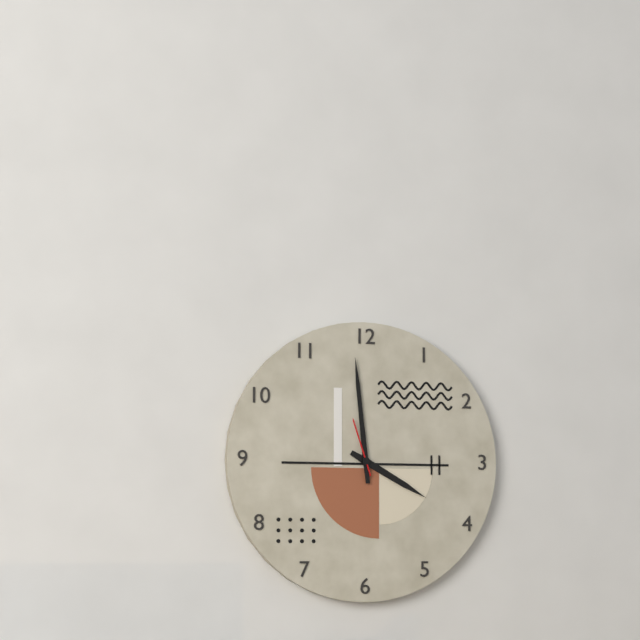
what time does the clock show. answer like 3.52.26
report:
3.59.57
